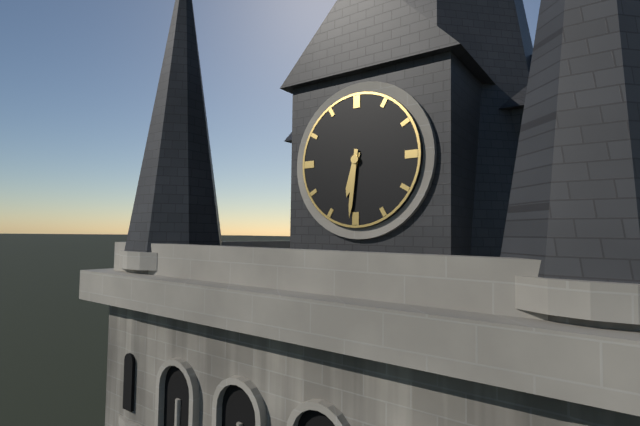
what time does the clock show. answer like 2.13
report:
6.31
